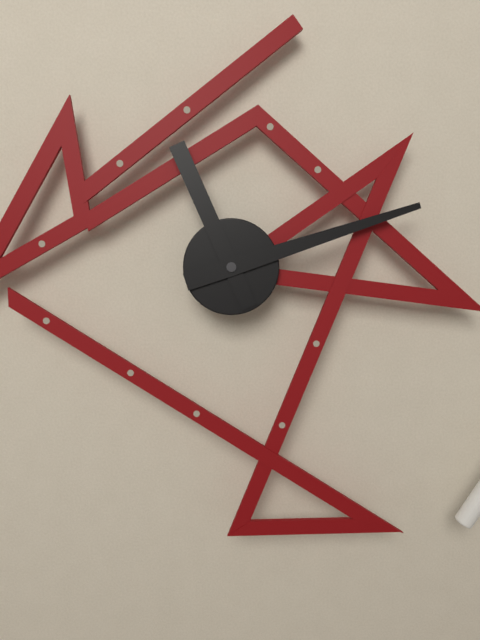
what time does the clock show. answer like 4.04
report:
11.12
